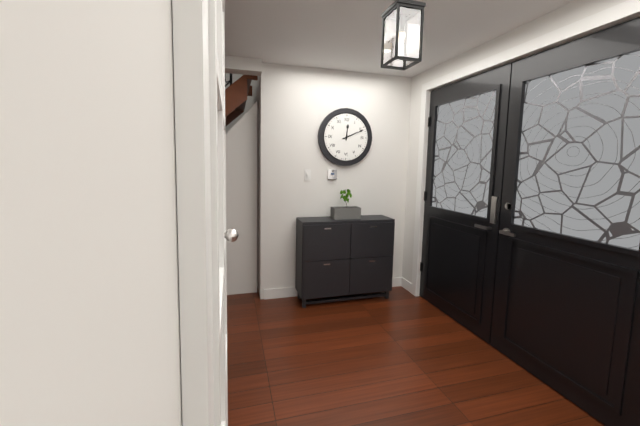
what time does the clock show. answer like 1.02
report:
12.11
